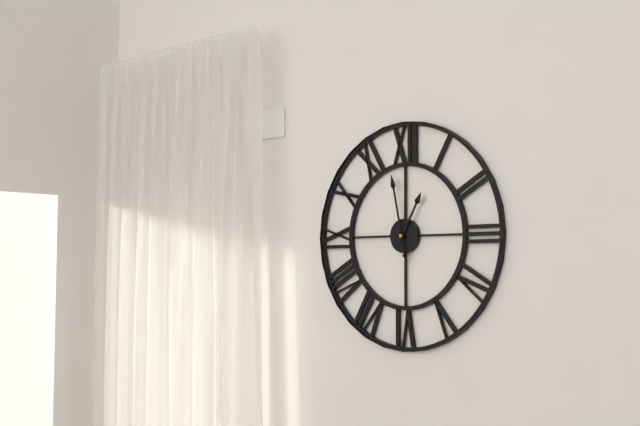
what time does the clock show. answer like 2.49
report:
12.58
